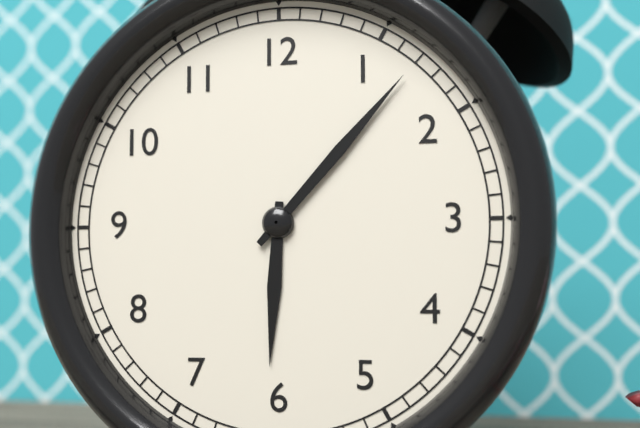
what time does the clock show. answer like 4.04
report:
6.07
